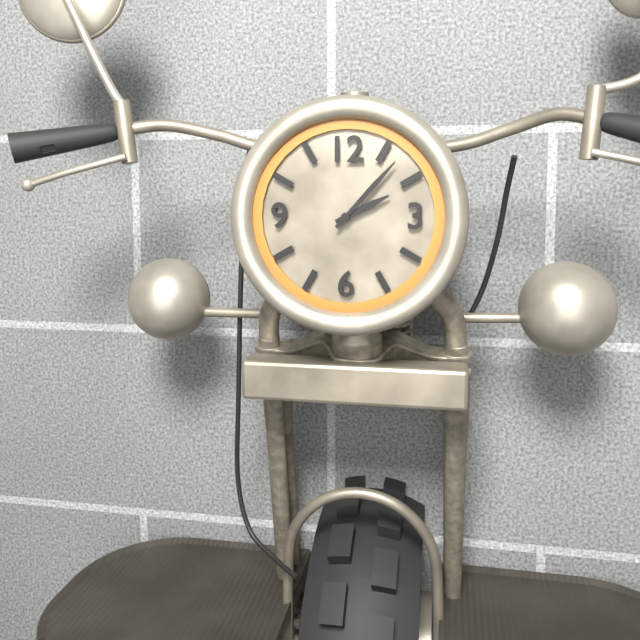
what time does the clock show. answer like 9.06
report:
2.07
